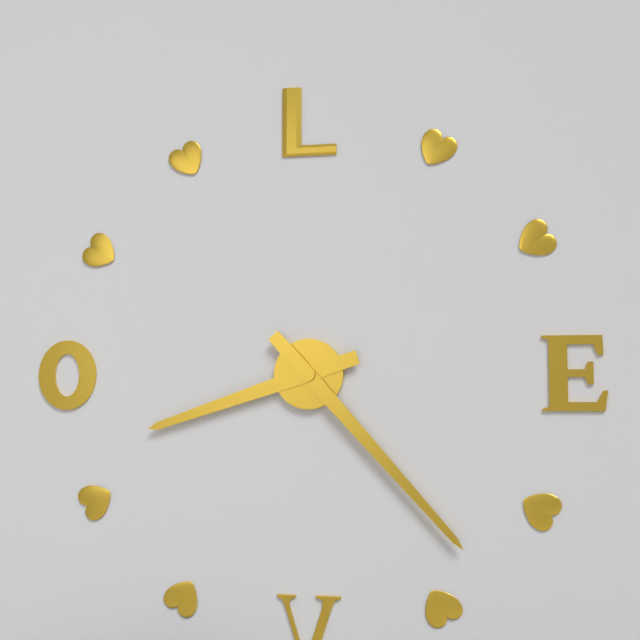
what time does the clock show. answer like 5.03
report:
8.23
